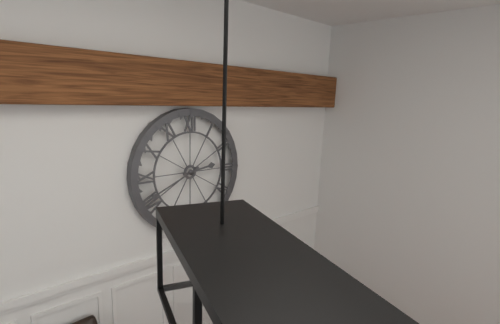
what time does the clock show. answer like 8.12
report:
2.41
